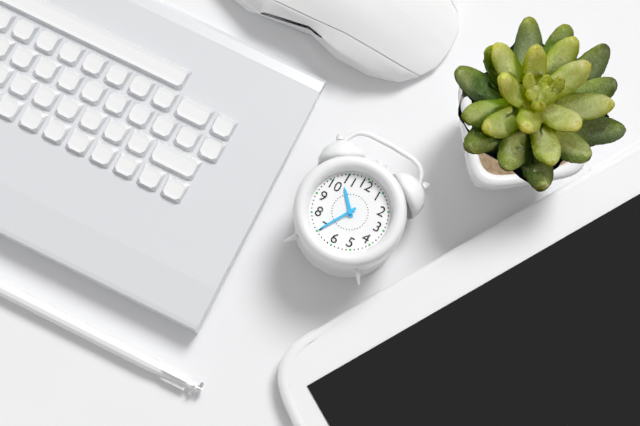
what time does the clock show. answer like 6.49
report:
10.35
